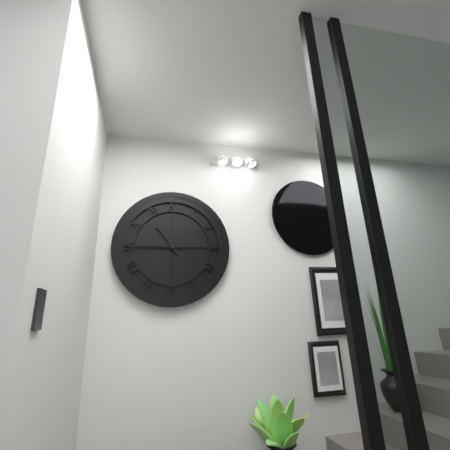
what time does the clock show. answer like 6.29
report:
10.45
